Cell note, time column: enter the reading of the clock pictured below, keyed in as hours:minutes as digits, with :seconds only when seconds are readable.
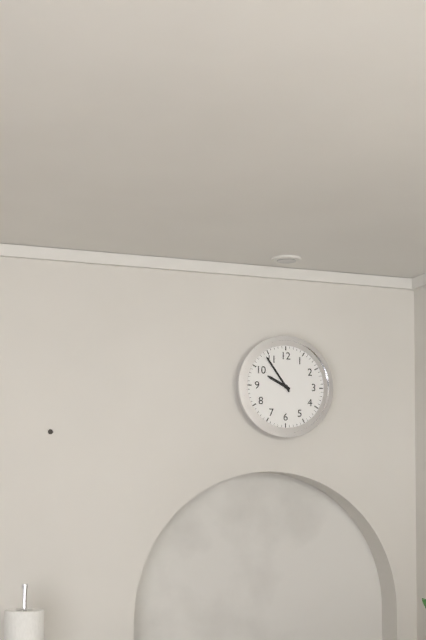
9:54
